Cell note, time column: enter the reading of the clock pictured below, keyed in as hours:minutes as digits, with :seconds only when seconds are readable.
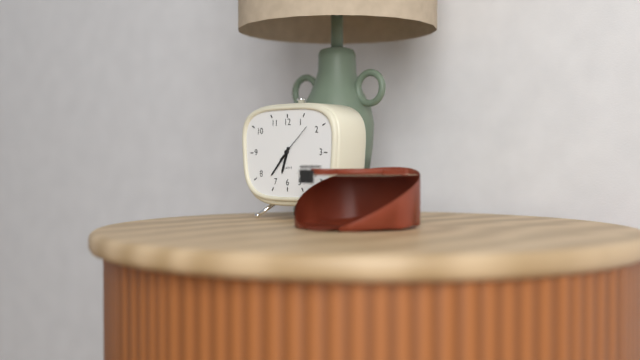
6:37
